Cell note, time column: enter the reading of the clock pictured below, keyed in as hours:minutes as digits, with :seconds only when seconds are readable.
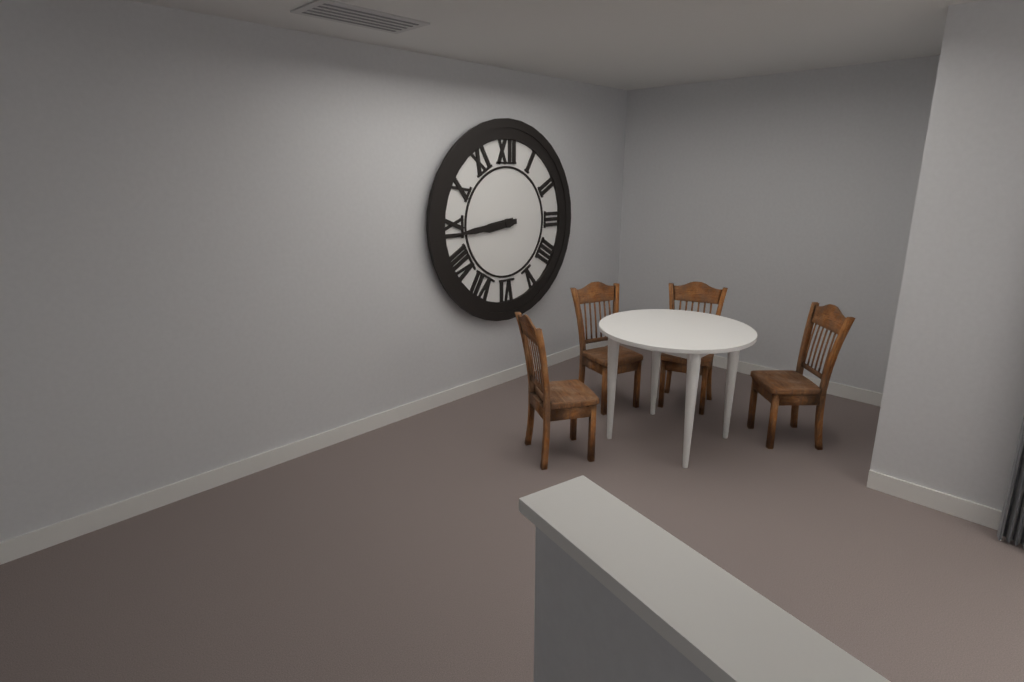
8:44
